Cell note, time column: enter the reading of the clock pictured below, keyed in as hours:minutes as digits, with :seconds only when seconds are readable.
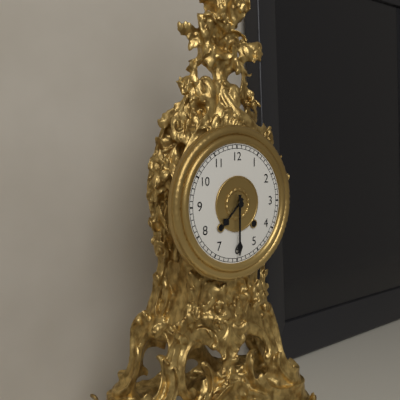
7:30
